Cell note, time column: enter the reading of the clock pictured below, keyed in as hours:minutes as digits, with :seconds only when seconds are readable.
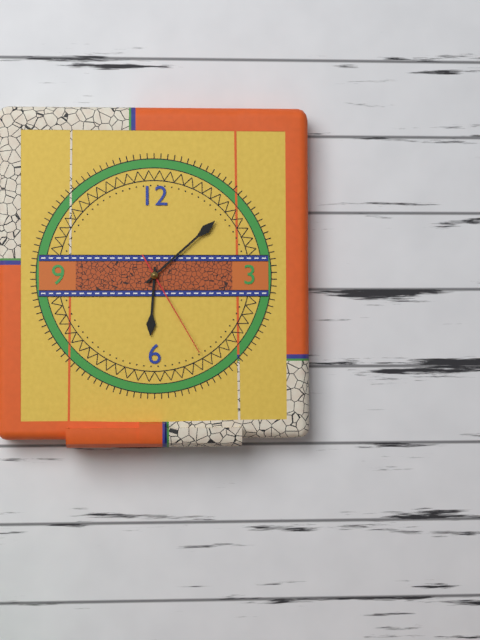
6:08:25
